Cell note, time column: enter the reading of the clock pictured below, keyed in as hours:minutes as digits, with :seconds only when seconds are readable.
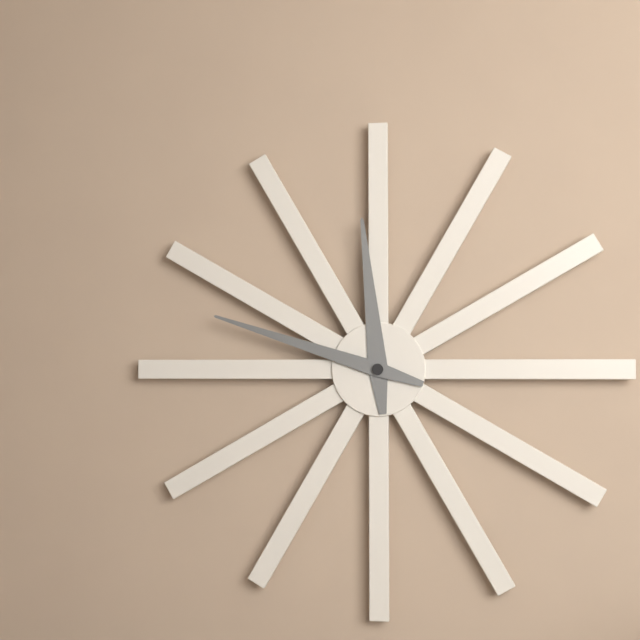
11:48
